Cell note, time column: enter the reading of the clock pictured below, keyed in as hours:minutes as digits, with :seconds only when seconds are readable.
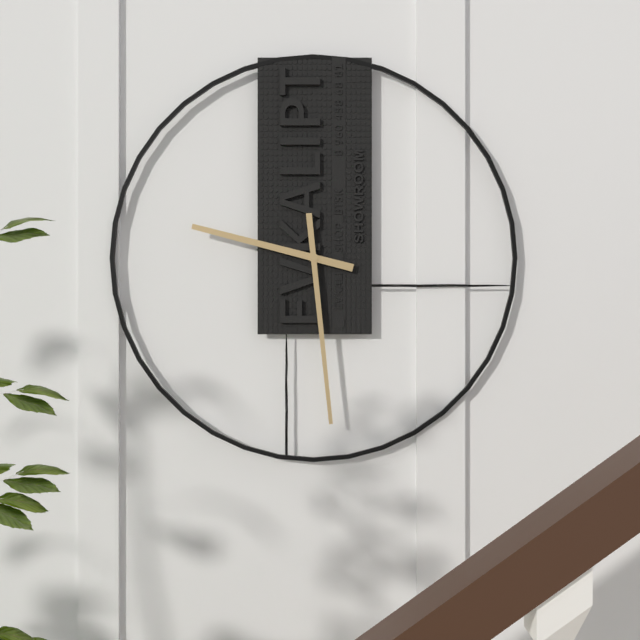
9:29
